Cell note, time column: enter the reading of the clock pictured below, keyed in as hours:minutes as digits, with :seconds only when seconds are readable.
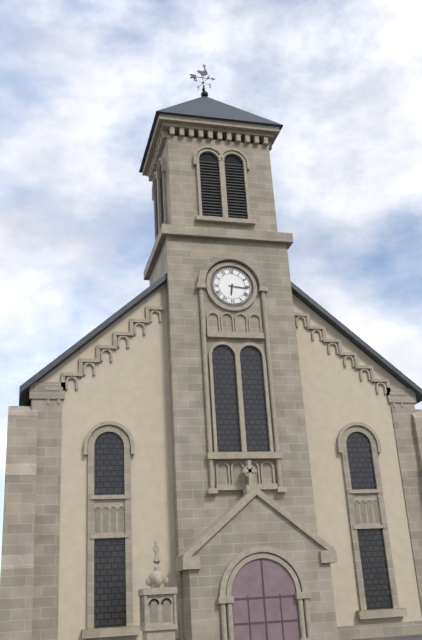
6:16
